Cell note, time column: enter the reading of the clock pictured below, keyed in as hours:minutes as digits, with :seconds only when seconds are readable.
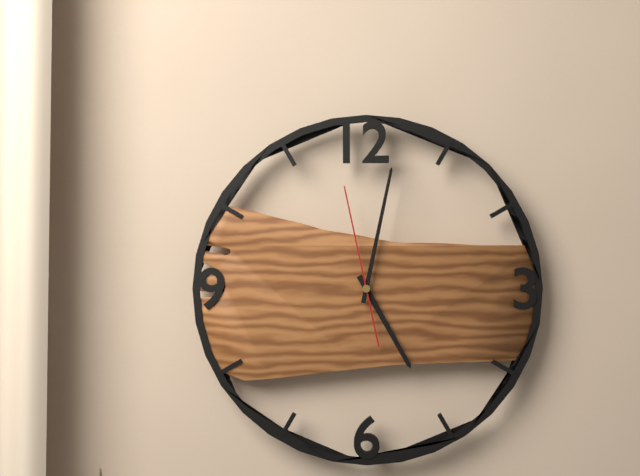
5:02:58
